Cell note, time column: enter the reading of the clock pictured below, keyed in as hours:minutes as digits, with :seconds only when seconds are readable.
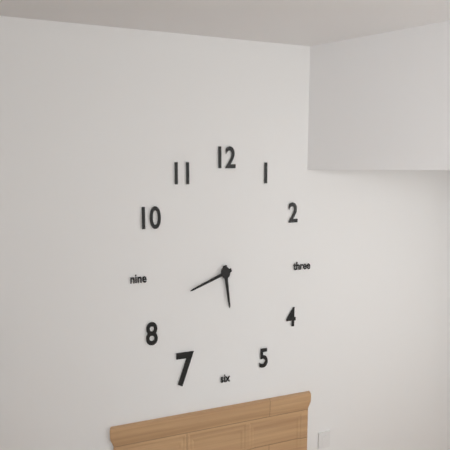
5:42
